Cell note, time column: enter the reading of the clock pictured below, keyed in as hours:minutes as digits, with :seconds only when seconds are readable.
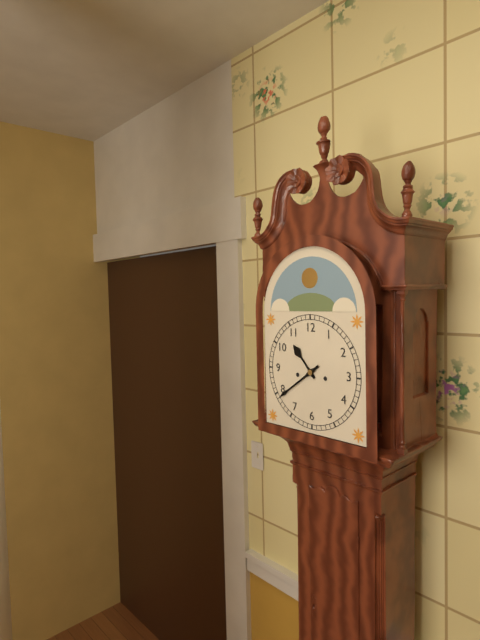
10:39
